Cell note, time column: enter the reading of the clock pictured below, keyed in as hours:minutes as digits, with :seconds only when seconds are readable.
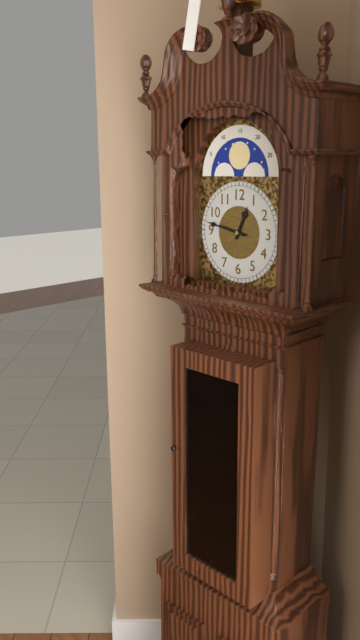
12:47
